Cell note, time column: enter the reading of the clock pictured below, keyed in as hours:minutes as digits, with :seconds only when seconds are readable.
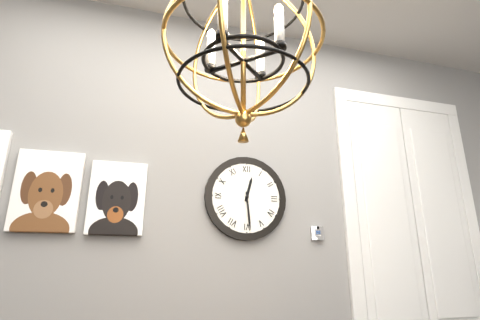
12:29
